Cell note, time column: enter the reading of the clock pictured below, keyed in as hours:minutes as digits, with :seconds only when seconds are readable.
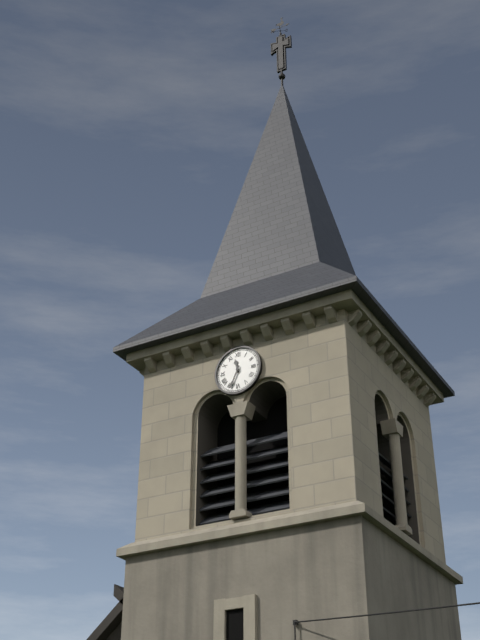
11:34
